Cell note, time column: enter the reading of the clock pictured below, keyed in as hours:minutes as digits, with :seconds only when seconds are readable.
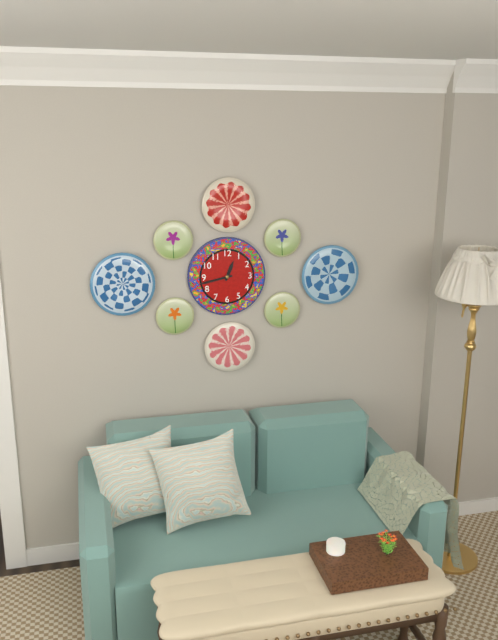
12:43
